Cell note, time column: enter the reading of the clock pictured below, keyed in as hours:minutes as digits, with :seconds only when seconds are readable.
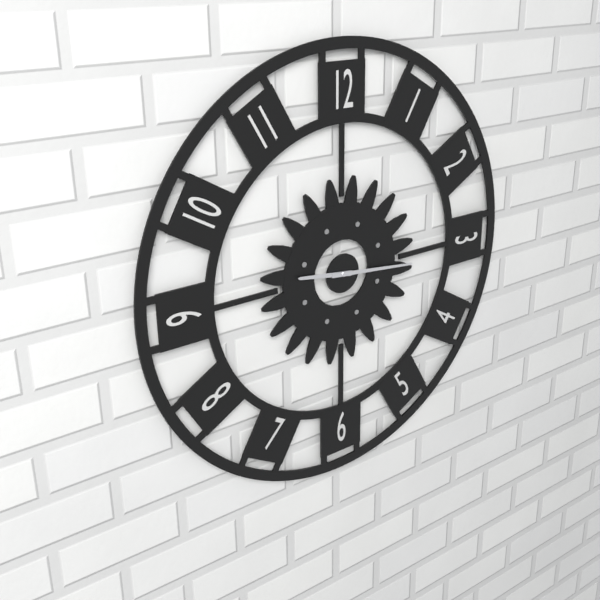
9:16
